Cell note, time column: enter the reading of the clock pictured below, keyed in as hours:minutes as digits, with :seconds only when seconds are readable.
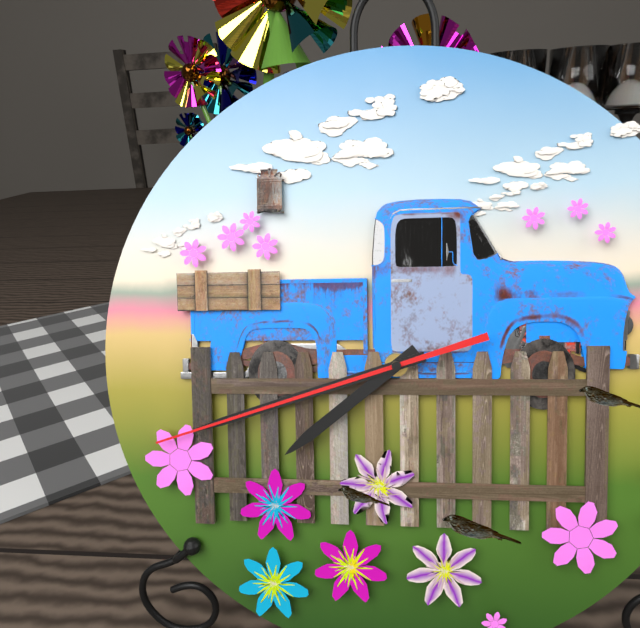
7:42:42
